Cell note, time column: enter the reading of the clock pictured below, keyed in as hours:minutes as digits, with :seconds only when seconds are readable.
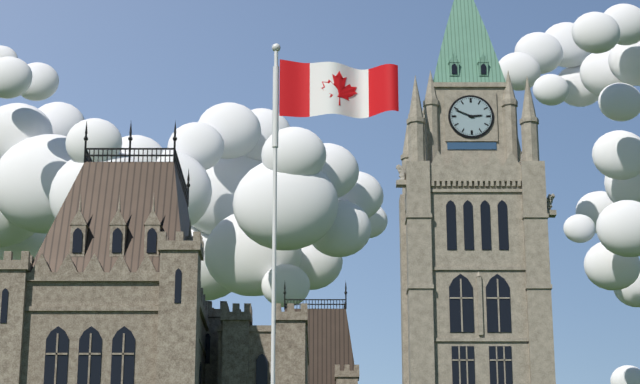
2:49
